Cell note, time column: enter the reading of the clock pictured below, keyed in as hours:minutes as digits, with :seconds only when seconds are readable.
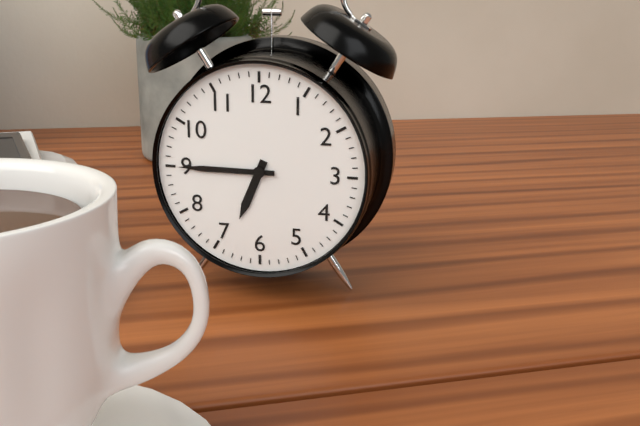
6:45
